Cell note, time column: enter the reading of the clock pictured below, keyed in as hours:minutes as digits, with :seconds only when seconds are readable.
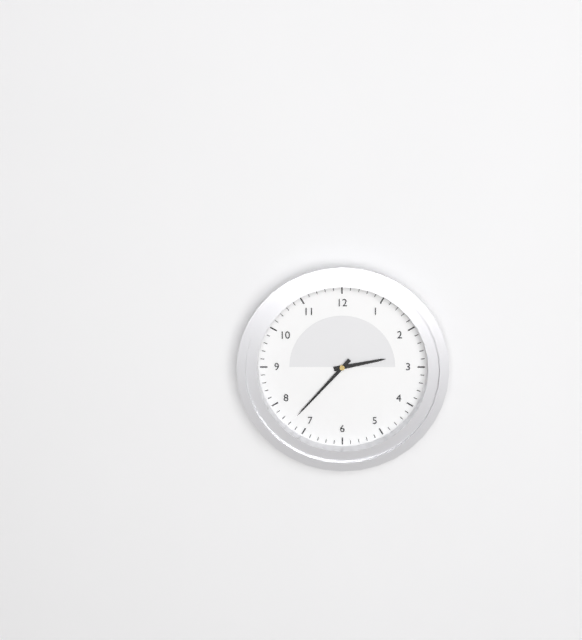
2:37
